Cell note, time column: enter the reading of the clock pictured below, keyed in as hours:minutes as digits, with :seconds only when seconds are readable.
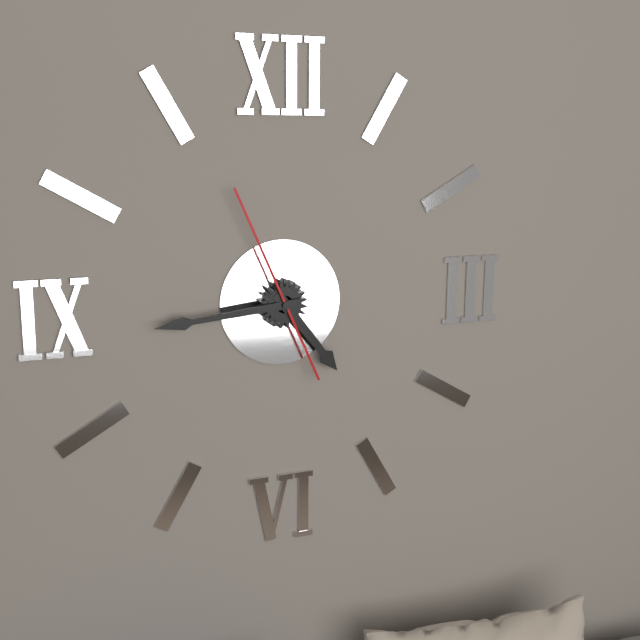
4:44:56
